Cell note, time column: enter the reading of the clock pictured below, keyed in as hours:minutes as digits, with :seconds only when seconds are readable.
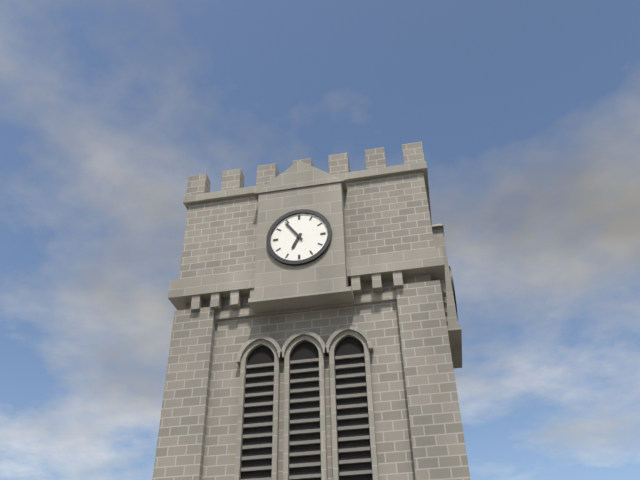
6:54
